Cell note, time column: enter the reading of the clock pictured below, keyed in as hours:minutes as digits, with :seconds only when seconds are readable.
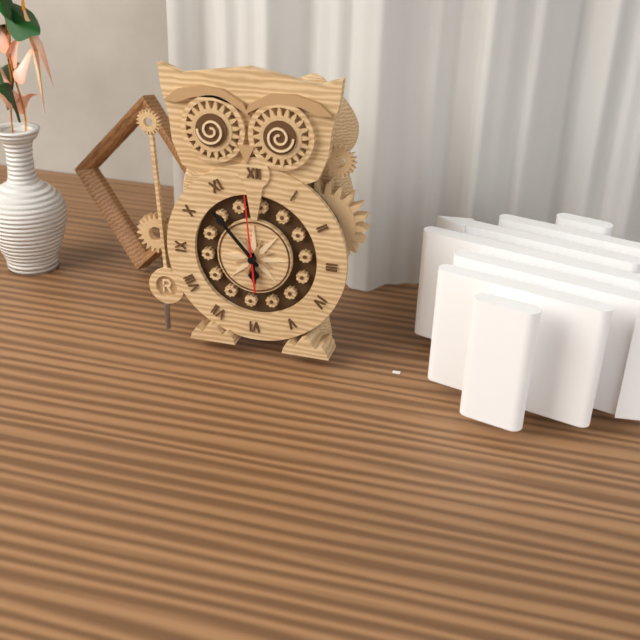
5:53:59
